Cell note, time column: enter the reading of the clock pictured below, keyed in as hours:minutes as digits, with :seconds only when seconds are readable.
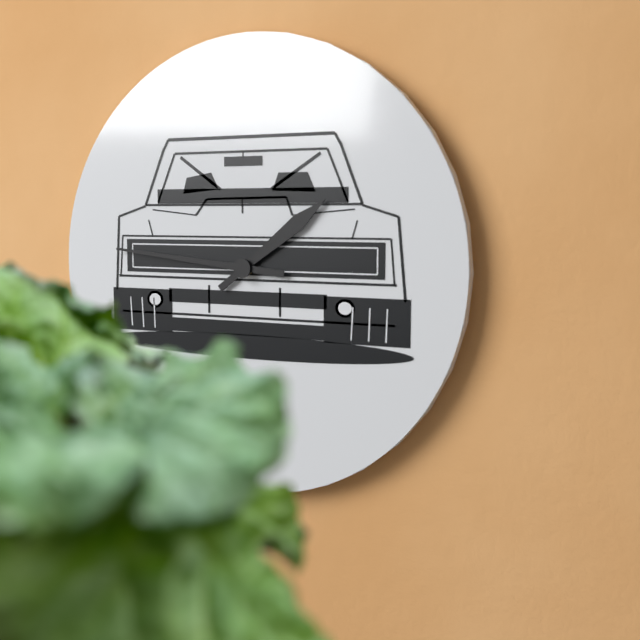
1:46
